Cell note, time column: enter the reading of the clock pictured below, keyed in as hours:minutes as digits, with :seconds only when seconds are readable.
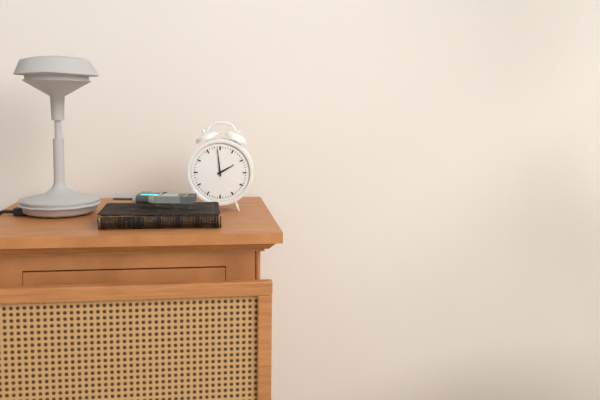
1:59
